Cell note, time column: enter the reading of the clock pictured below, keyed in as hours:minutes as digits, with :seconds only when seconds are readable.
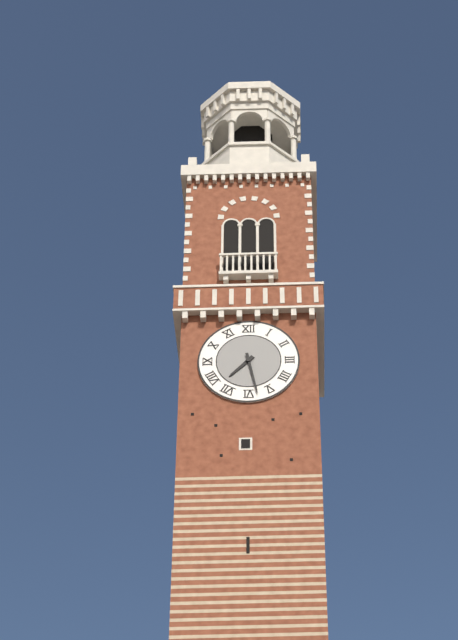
7:28
